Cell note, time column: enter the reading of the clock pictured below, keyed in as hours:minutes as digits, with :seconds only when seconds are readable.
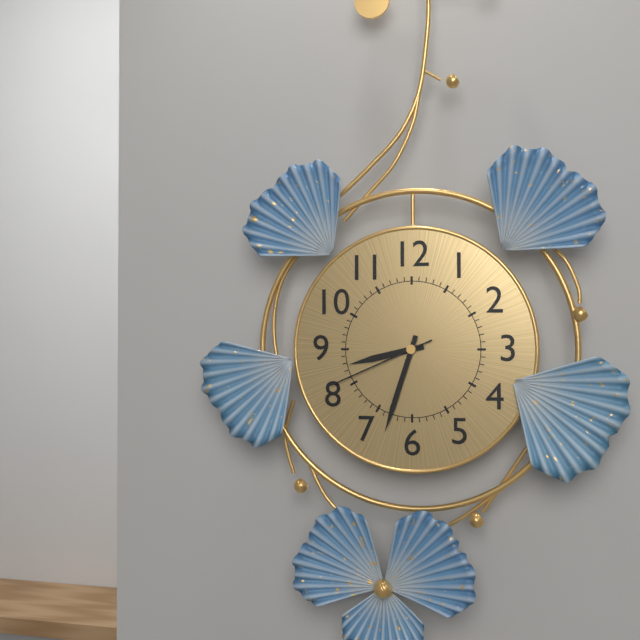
8:33:41
